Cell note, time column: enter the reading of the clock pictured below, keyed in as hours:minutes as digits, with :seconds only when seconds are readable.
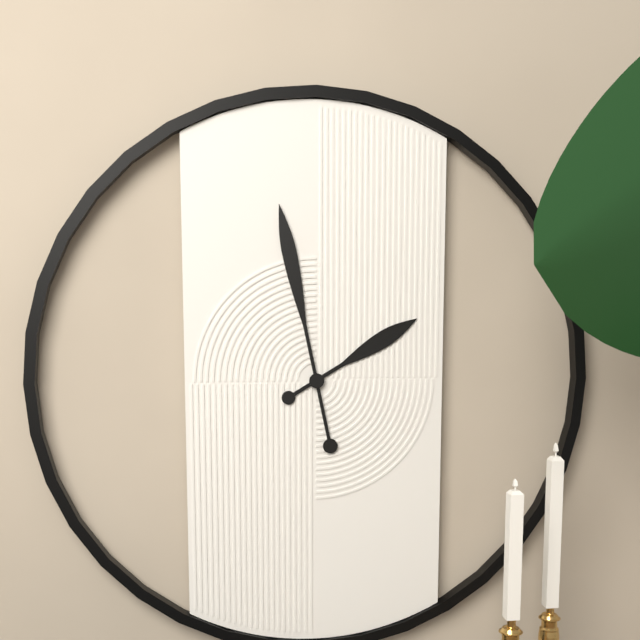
1:58
